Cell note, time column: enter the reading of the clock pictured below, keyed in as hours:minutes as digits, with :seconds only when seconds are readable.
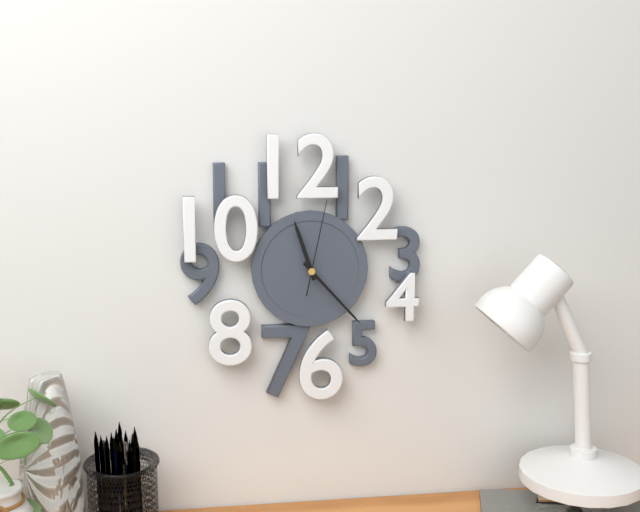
11:23:02
